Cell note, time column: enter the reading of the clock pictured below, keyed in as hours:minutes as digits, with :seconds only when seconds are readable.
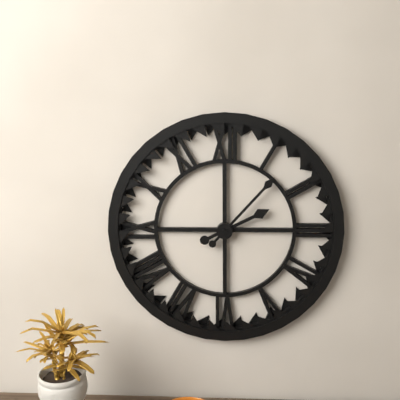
2:07
